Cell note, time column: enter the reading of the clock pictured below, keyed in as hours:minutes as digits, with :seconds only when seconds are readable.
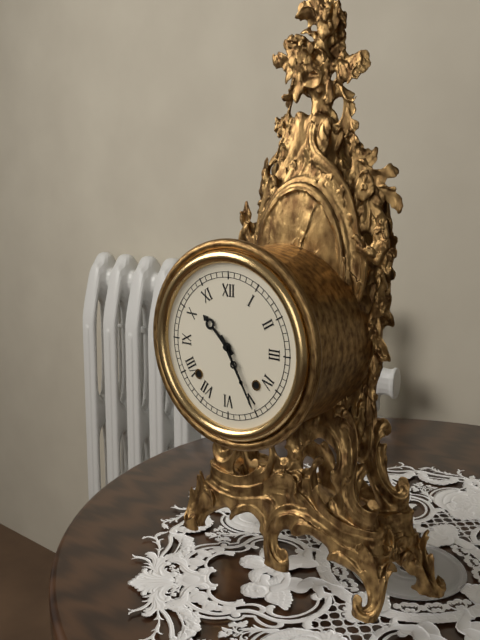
10:25
